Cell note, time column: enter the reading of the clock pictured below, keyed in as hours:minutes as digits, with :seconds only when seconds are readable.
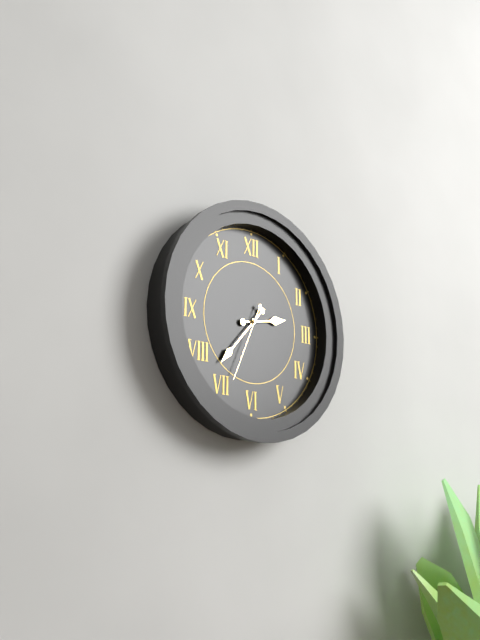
2:37:34
